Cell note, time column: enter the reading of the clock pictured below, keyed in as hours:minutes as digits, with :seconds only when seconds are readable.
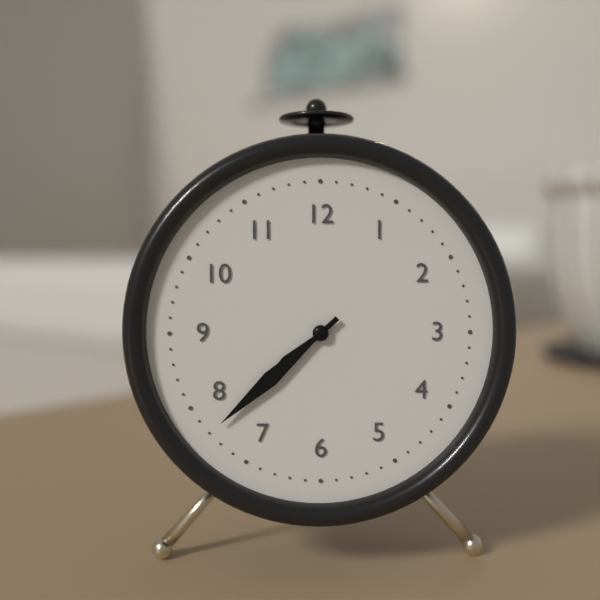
7:38
